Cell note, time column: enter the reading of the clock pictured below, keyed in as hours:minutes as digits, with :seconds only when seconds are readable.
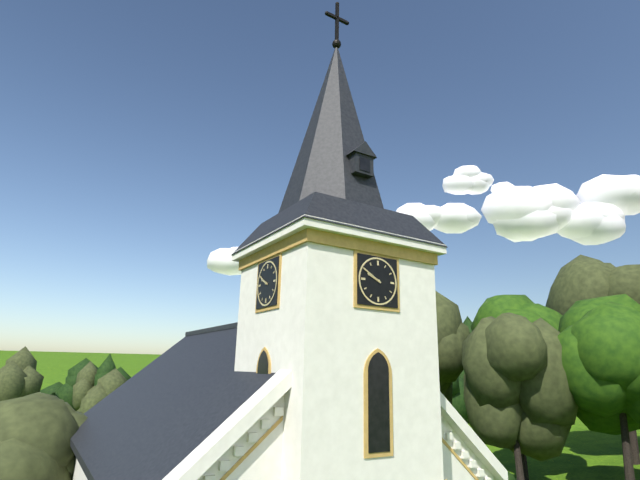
9:50
